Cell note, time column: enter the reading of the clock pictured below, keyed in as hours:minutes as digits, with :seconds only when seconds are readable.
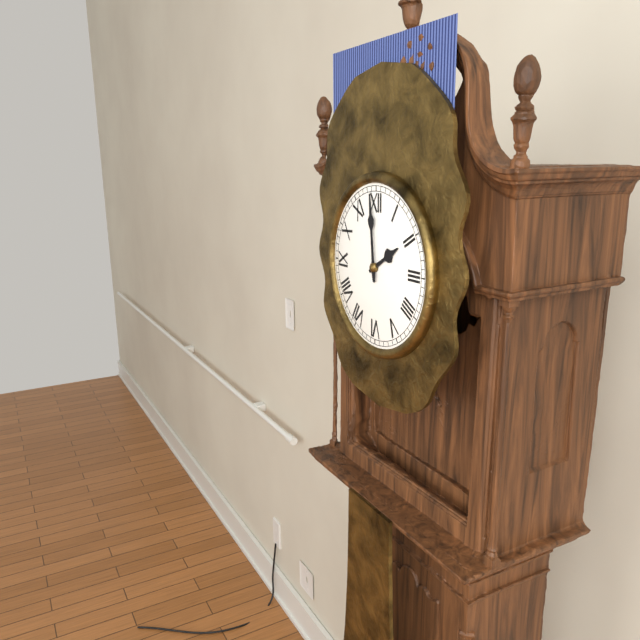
1:59
